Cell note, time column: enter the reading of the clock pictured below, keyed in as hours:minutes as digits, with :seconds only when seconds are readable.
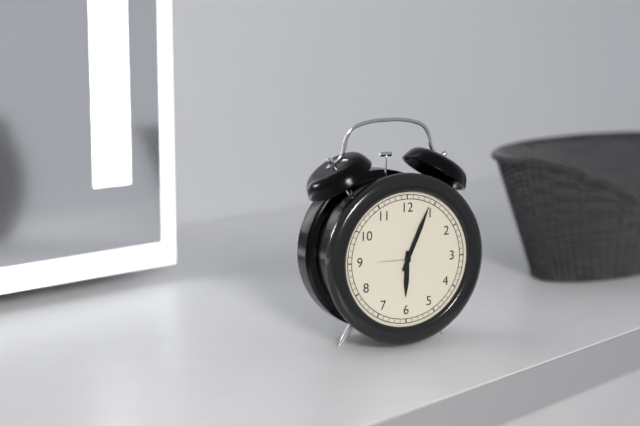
6:04
